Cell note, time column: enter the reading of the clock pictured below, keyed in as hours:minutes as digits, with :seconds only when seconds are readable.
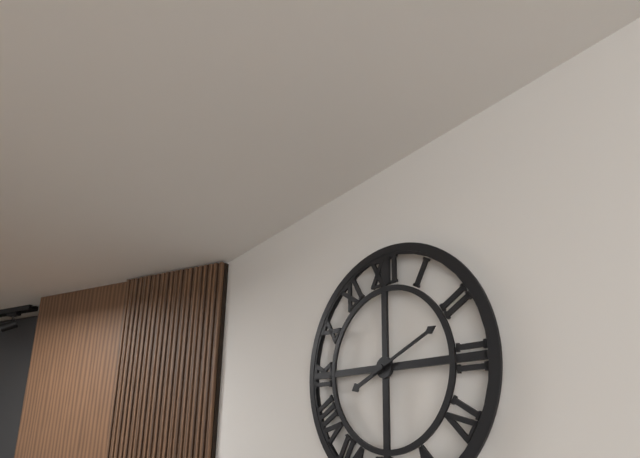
8:11
